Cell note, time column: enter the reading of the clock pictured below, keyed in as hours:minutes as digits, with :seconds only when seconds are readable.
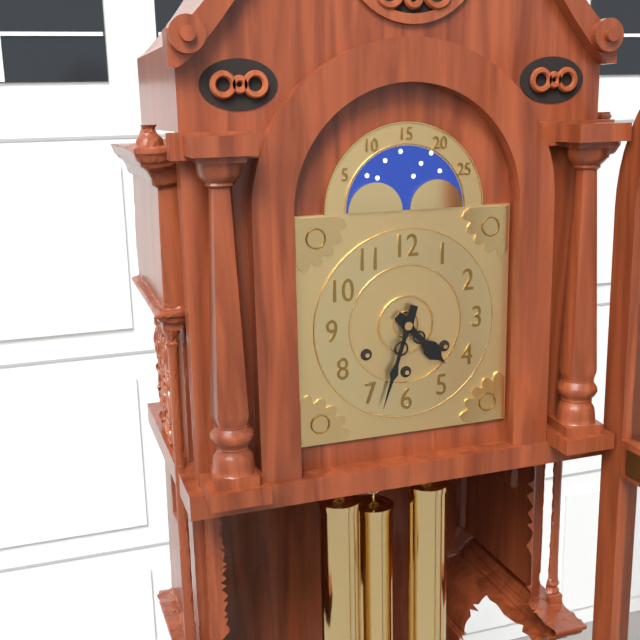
4:33
